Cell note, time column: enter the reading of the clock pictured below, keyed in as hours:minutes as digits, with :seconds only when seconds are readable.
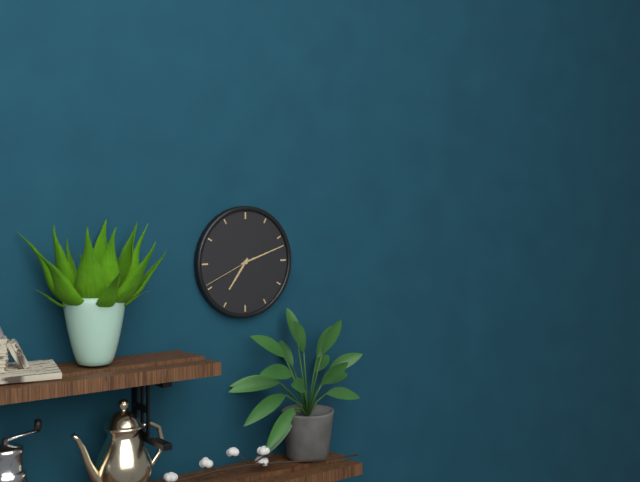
7:12:41
